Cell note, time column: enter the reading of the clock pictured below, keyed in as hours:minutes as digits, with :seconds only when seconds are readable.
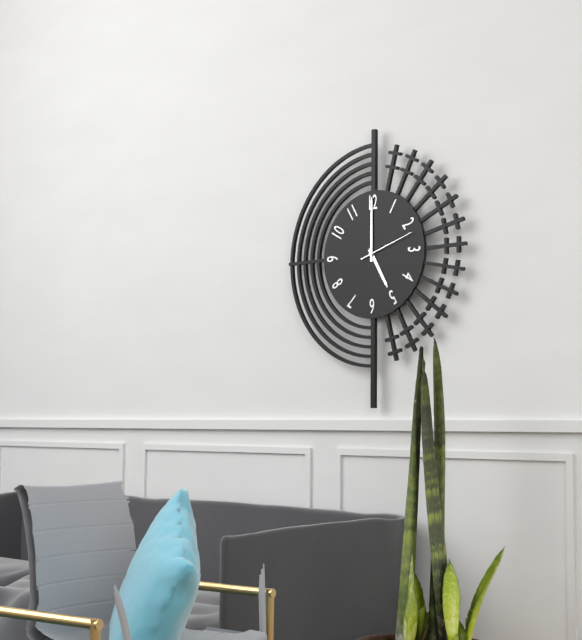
5:00:12
